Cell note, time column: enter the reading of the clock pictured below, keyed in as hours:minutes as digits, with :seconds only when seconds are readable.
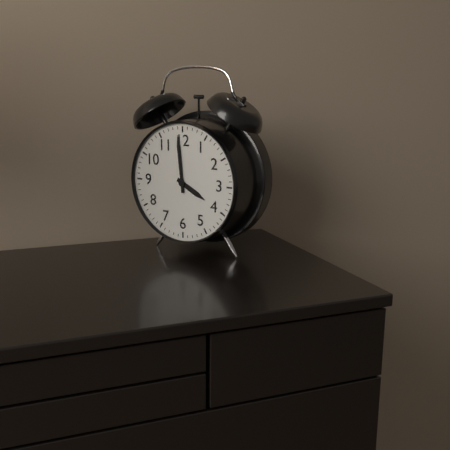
3:59
